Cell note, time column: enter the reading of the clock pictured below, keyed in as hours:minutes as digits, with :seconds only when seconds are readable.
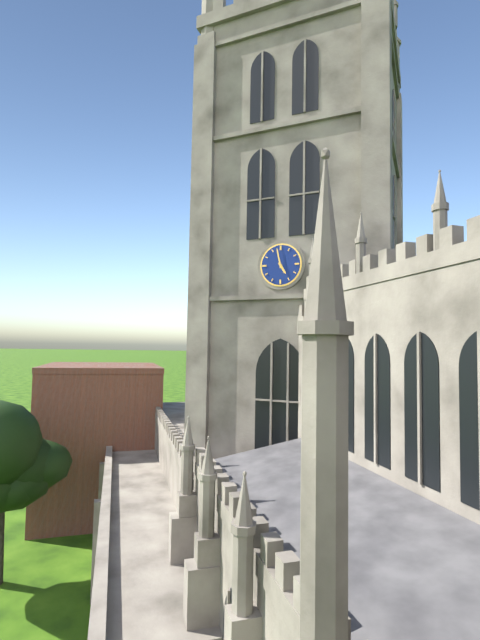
4:58
